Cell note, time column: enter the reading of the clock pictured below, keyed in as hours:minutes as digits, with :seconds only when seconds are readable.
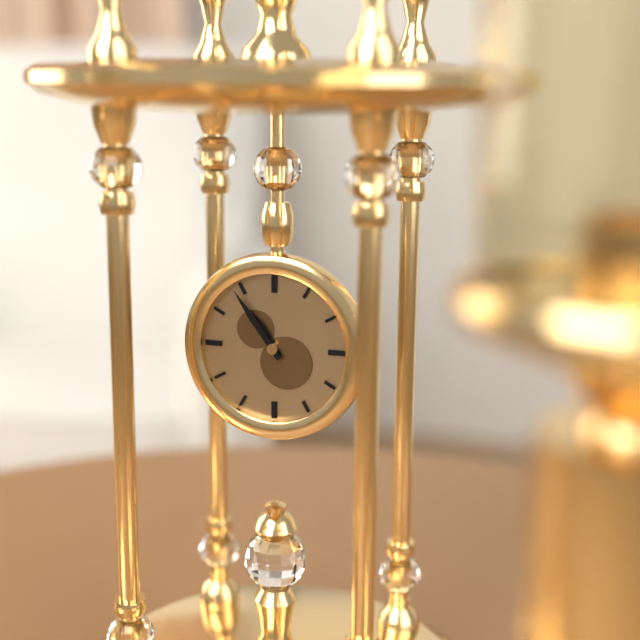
10:54
